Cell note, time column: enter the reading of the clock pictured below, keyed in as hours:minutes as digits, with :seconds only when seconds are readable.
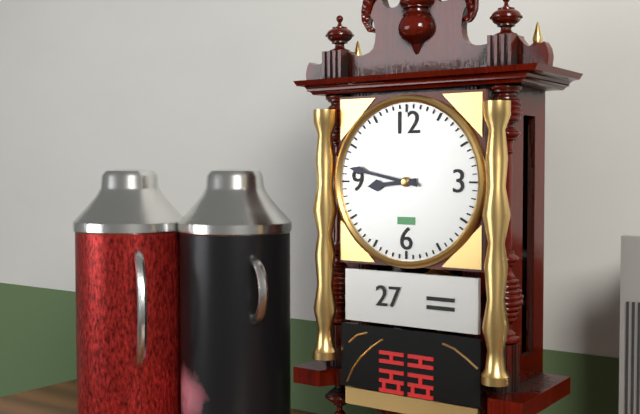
8:47
